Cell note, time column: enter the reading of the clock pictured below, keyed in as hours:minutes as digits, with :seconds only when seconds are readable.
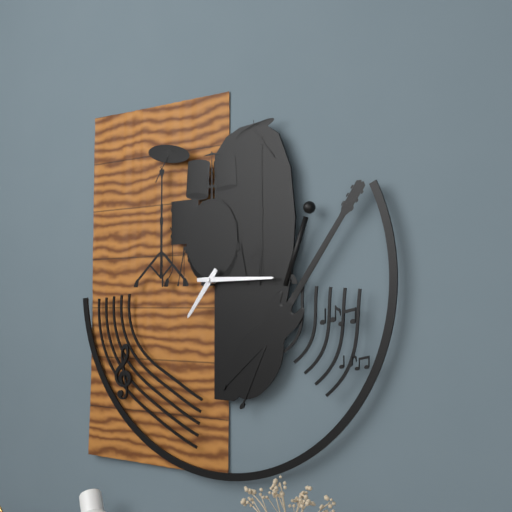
7:15
